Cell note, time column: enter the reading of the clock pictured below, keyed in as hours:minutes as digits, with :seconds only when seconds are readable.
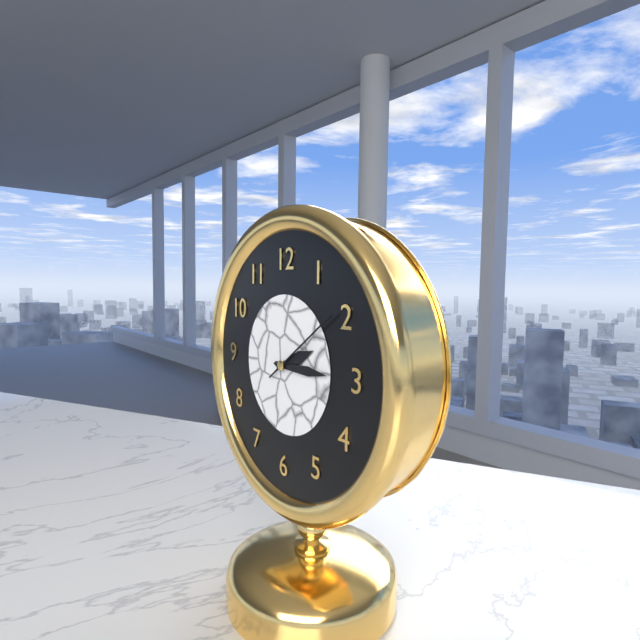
2:15:09
